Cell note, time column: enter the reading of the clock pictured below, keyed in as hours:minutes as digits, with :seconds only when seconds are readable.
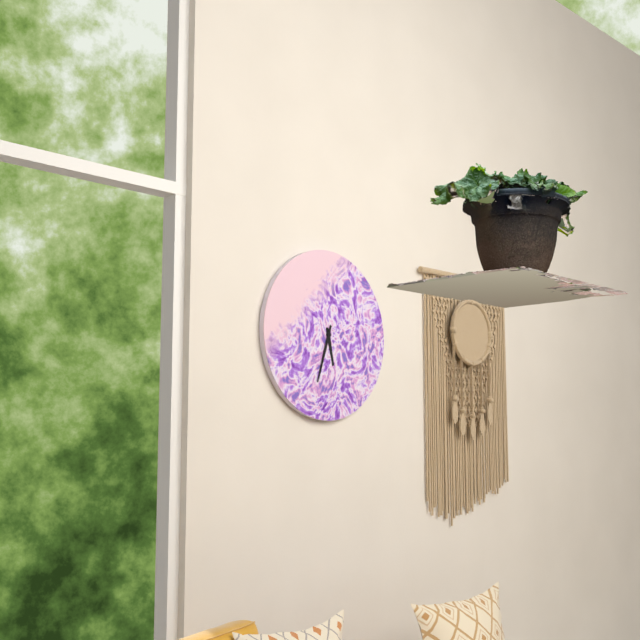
5:33
